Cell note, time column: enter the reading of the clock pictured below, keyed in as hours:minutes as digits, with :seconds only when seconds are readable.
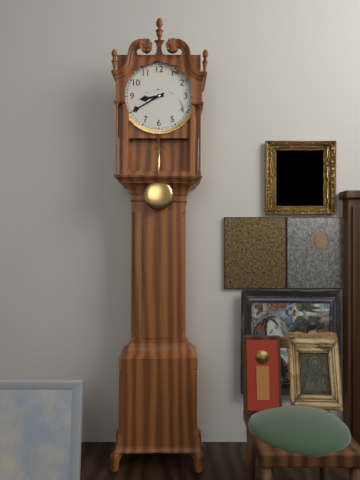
8:40
